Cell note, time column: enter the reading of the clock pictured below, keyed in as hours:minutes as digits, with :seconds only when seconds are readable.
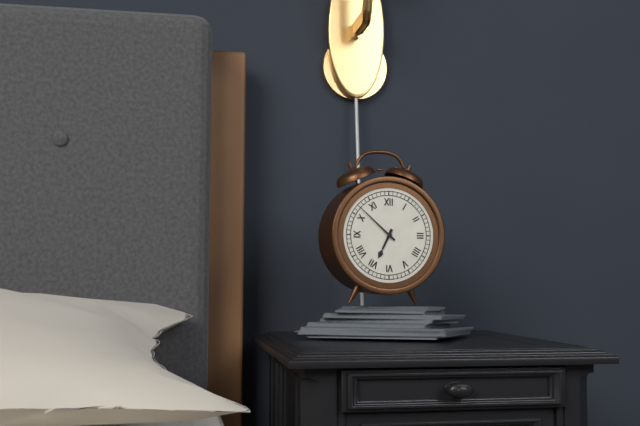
6:52
